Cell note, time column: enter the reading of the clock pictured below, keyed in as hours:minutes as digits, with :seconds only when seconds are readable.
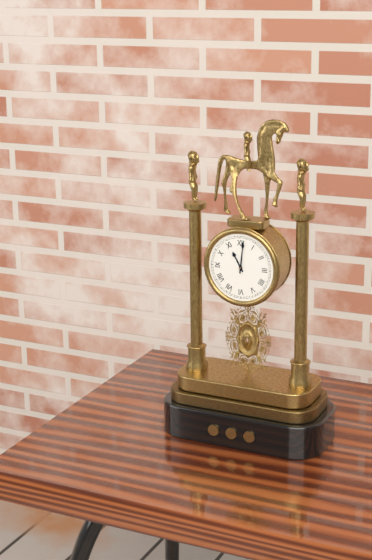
11:01
